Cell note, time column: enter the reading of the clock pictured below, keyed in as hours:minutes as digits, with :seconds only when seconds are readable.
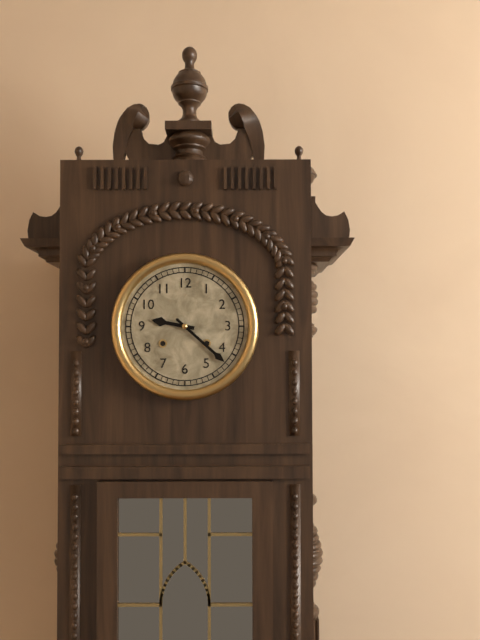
9:22
